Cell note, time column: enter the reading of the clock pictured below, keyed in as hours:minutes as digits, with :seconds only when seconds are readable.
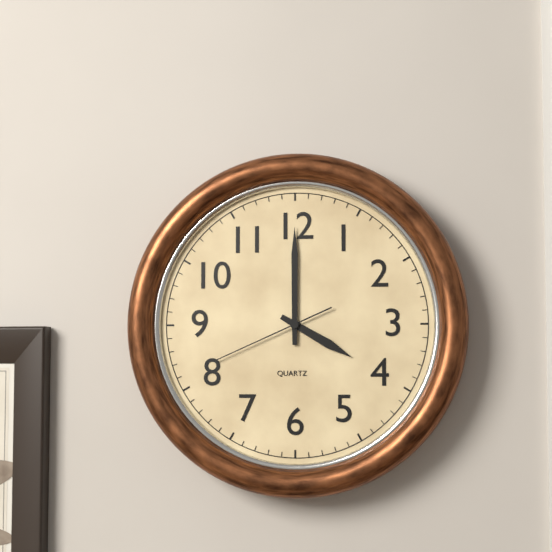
4:00:41
